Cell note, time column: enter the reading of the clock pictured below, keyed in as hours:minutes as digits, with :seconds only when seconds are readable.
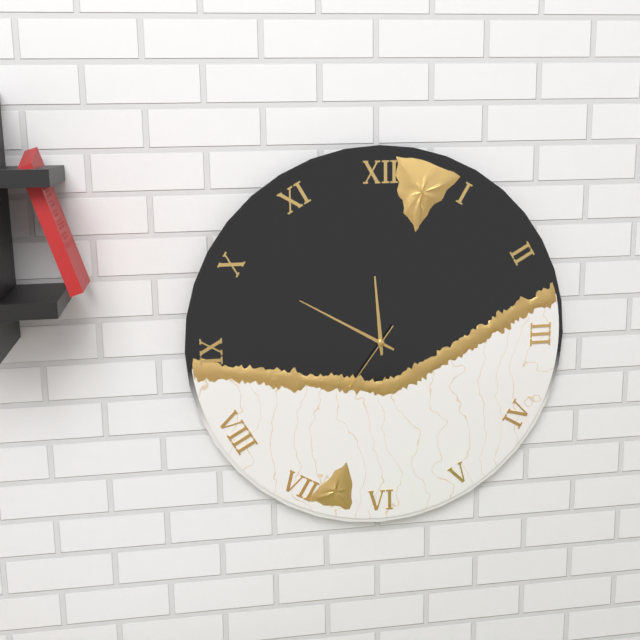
11:50:36
